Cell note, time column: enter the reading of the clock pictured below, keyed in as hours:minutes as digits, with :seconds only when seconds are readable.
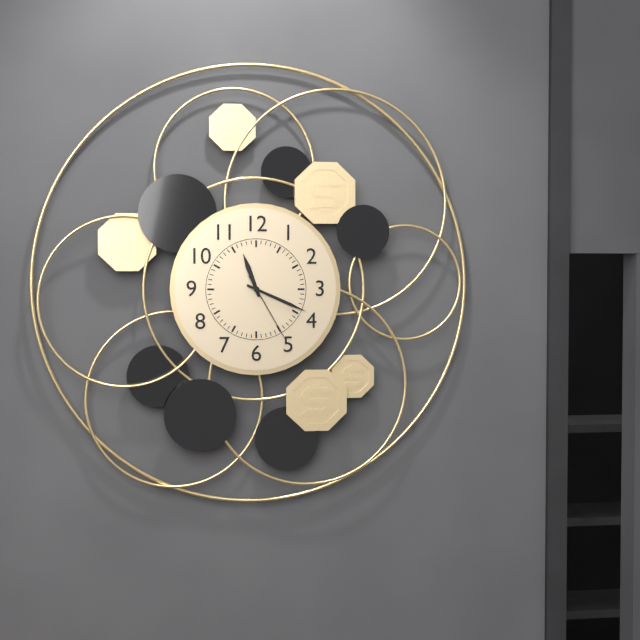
11:19:25
